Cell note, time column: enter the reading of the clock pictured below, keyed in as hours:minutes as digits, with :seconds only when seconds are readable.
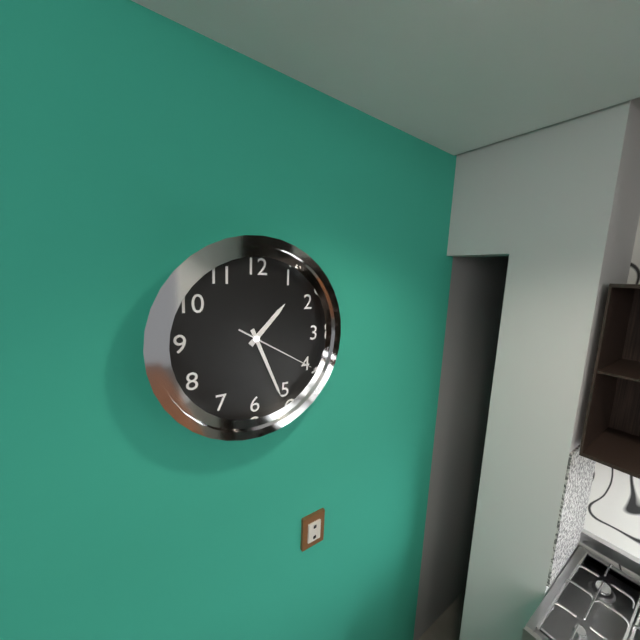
1:26:20
